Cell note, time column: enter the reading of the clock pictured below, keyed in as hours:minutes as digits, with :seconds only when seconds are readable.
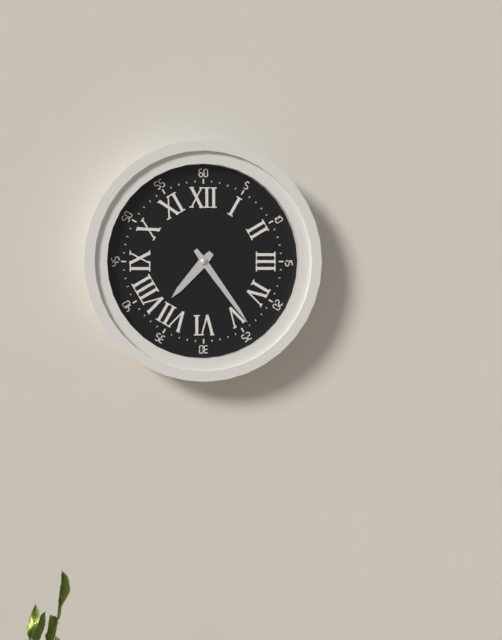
7:24
